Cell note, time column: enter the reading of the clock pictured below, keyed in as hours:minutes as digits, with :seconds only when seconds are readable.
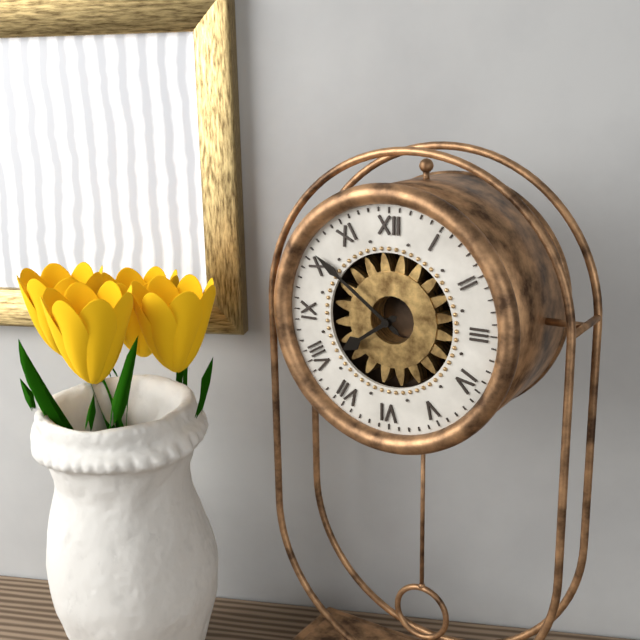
7:51
